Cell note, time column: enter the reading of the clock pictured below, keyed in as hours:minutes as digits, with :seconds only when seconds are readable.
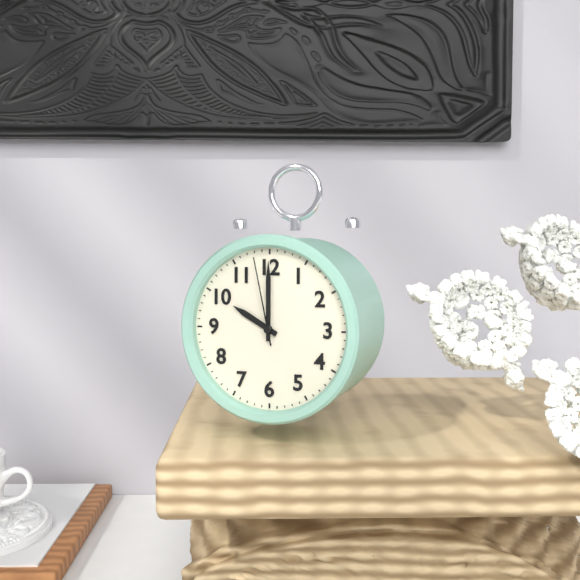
10:00:58
